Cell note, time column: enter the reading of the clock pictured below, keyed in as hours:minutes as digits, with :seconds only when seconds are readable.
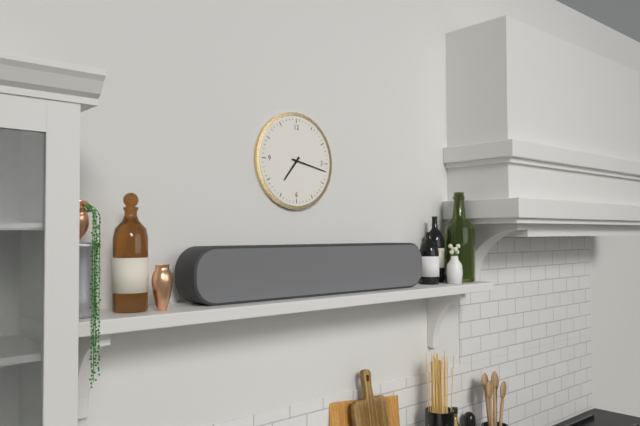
7:17
